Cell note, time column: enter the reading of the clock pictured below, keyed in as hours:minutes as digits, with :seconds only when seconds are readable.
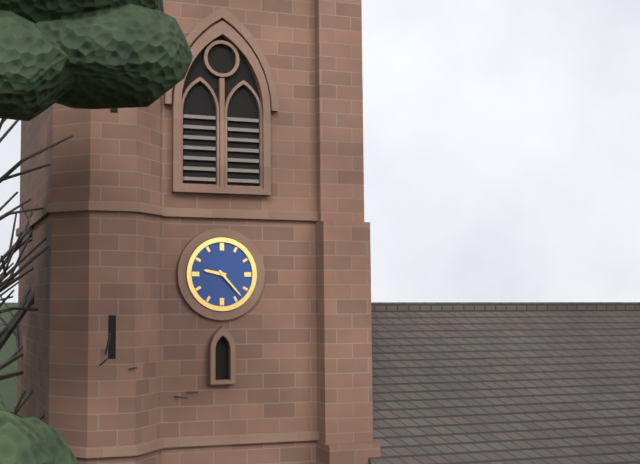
9:23
